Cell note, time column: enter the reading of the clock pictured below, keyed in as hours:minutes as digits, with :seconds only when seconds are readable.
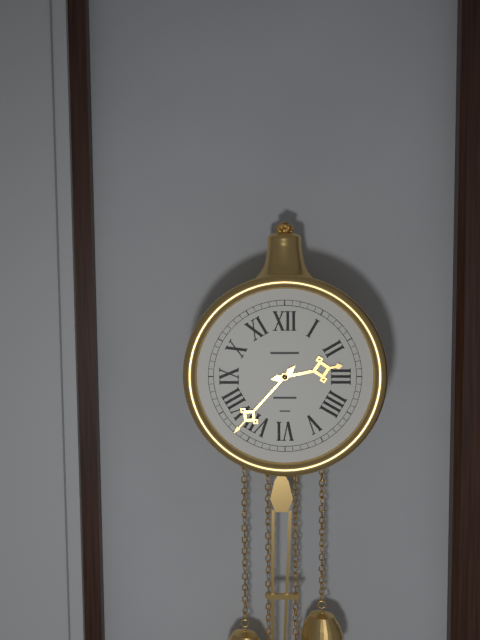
2:37
